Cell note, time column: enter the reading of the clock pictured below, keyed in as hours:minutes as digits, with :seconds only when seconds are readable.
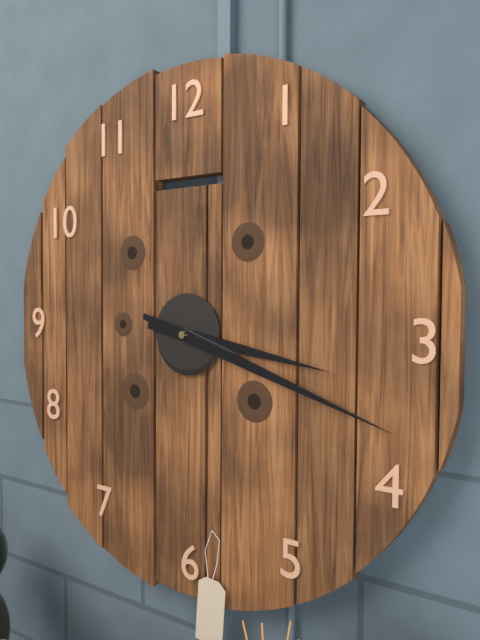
3:18
